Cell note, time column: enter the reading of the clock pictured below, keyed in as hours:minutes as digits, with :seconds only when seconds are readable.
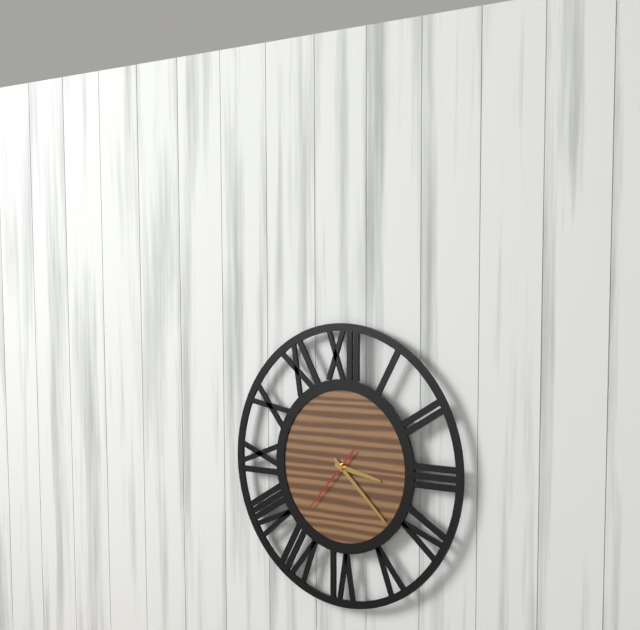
3:22:37
